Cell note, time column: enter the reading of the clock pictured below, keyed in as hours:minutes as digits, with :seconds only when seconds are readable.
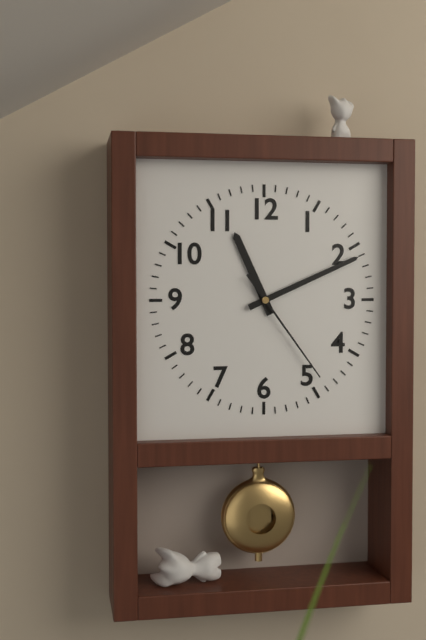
11:11:24
